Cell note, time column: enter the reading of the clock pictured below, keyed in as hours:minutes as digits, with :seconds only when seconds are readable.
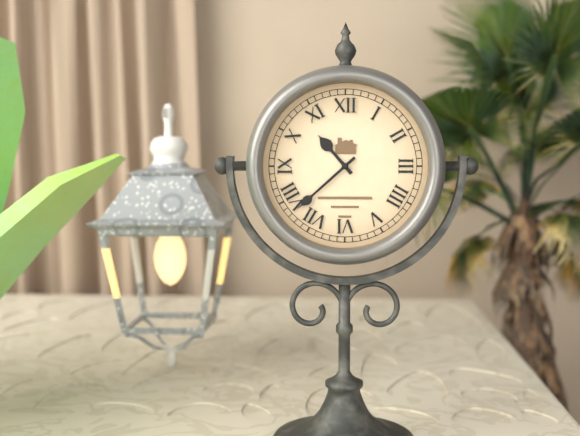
10:38
